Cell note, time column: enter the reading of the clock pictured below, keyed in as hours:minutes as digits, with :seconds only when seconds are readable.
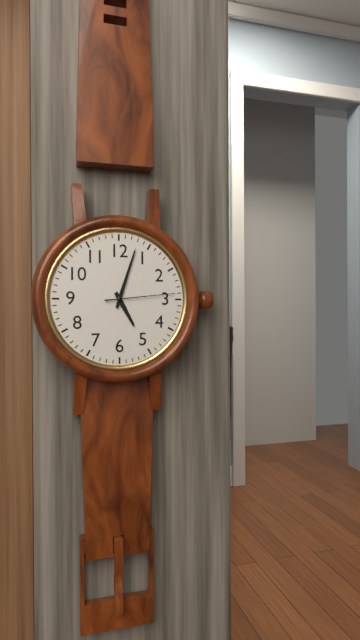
5:03:14
